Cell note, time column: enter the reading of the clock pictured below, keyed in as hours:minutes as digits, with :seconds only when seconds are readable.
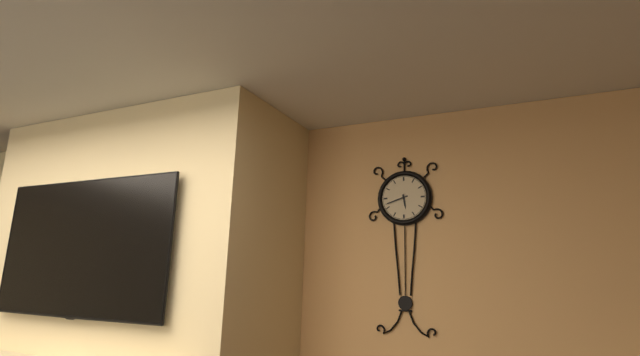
5:42
